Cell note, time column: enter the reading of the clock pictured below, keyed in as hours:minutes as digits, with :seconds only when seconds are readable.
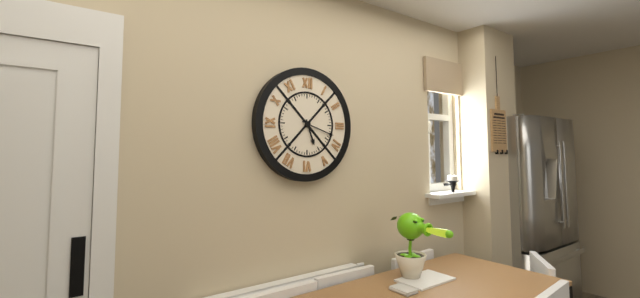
5:18
